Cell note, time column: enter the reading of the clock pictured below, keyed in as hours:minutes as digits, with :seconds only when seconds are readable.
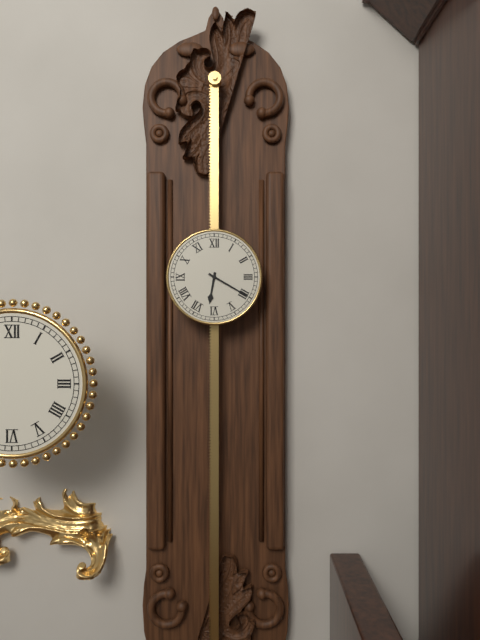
6:20
